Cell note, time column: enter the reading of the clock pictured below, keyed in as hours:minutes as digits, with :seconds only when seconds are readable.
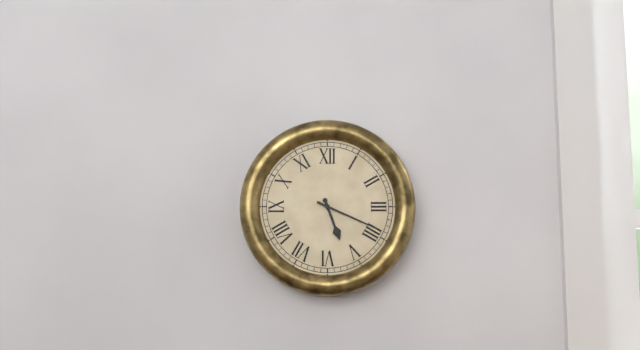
5:19
